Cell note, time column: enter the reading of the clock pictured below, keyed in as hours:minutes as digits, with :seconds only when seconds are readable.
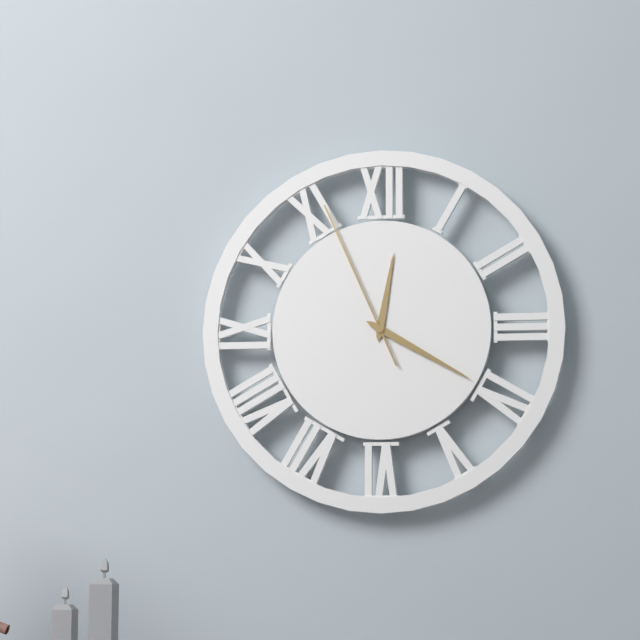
12:20:56
